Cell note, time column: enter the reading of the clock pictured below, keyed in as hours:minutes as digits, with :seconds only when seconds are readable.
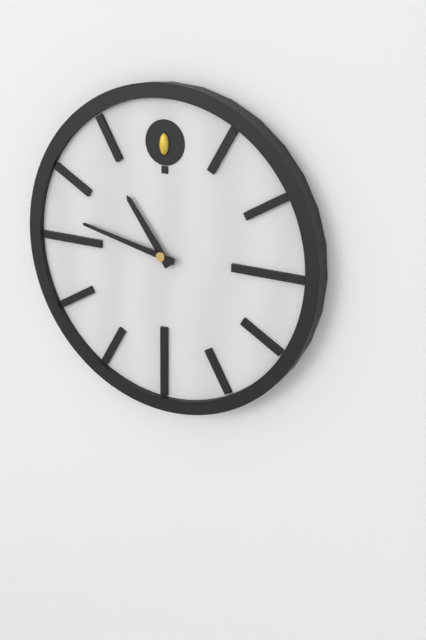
10:47
